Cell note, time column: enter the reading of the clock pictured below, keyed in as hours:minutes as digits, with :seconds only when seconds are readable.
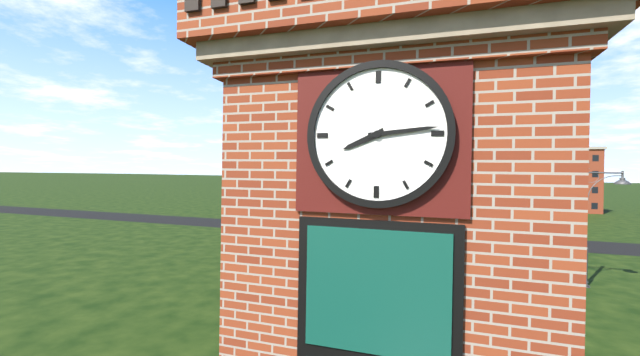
8:14
